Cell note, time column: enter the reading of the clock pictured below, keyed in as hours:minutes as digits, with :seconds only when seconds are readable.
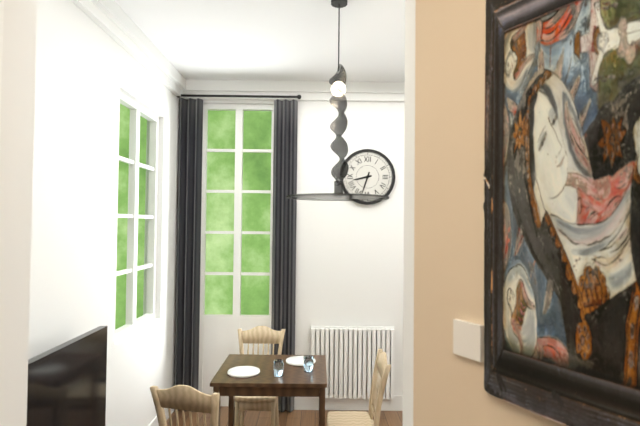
8:33
